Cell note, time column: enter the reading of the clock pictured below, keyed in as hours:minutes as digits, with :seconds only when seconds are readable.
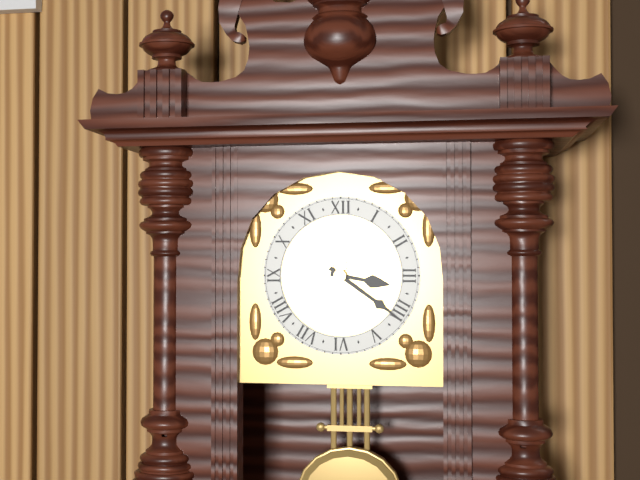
3:21
